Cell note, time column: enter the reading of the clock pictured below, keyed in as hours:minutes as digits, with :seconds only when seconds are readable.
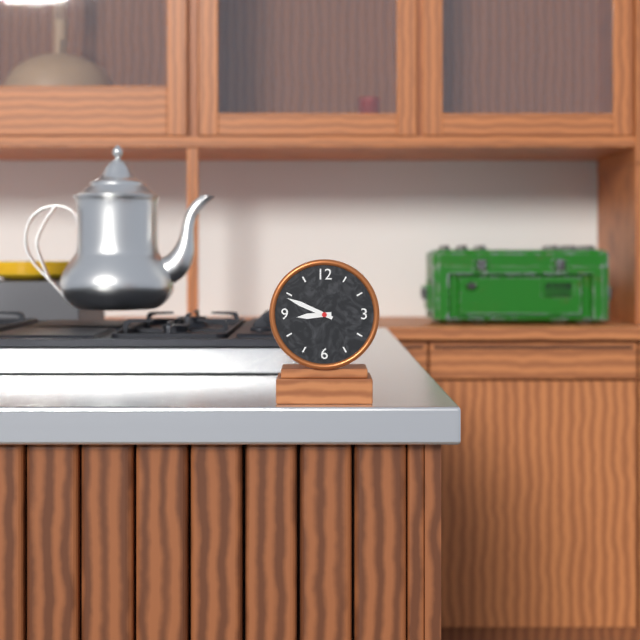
8:49
